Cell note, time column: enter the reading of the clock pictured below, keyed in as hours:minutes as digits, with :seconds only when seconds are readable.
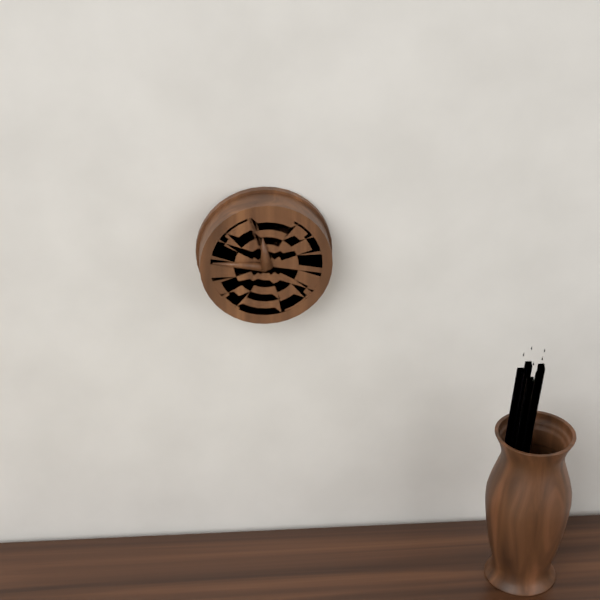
11:46
